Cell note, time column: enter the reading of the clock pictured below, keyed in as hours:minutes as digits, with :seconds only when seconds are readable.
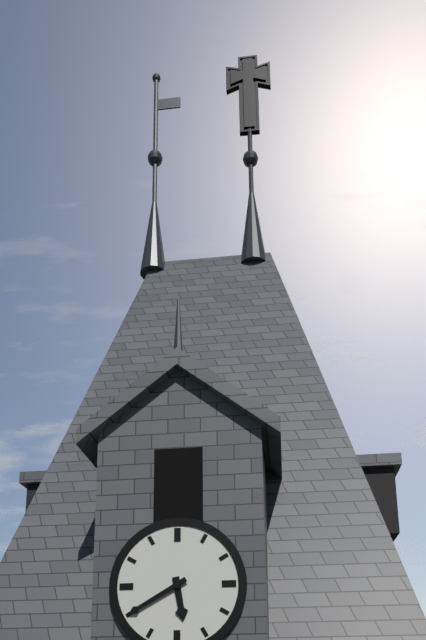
5:40
